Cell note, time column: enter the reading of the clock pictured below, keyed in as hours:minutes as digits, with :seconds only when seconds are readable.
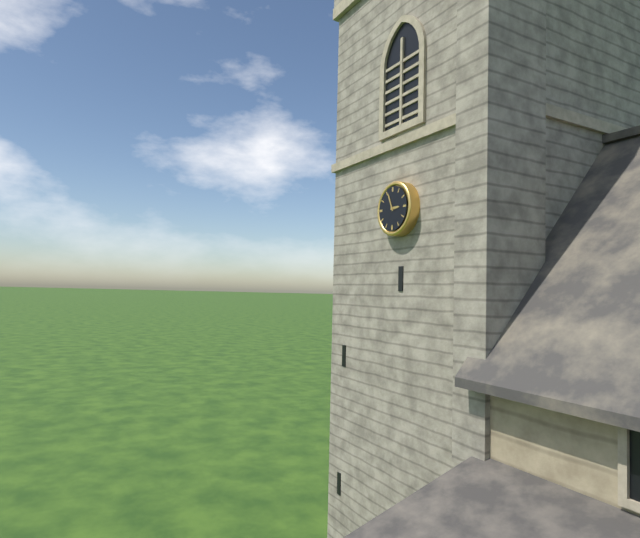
2:56
